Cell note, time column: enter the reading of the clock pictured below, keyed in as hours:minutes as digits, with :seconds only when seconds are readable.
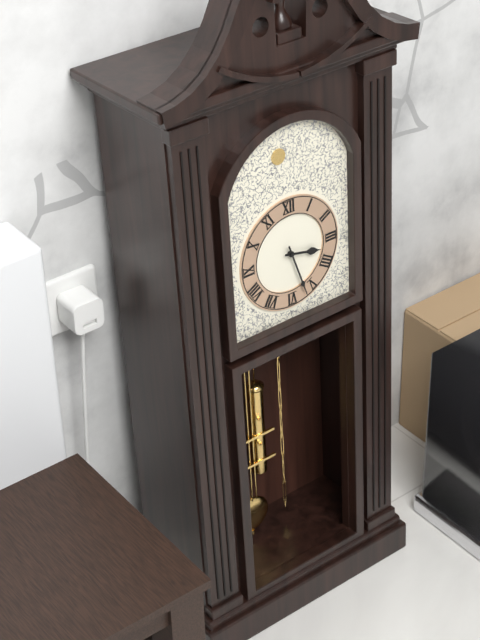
3:27
